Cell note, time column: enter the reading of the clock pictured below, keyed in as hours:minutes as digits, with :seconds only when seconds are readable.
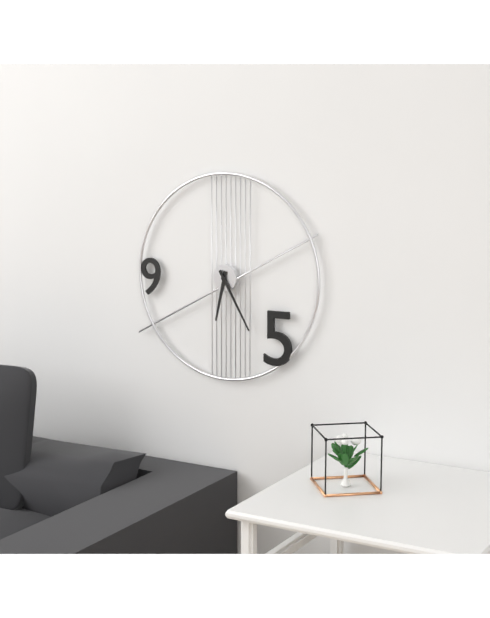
6:25
